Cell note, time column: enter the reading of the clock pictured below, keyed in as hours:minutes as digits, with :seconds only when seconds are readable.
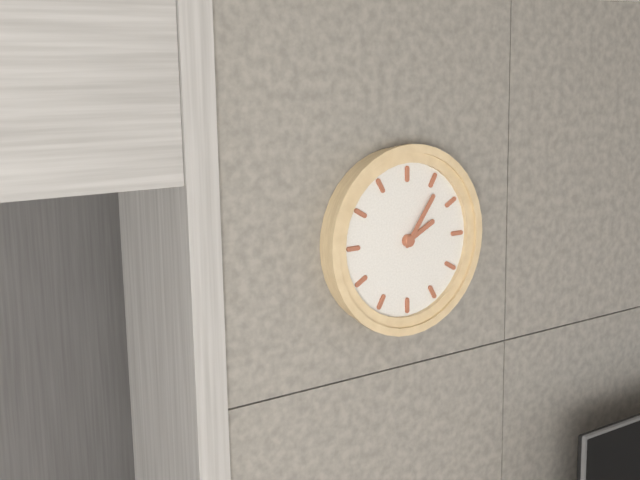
2:06
